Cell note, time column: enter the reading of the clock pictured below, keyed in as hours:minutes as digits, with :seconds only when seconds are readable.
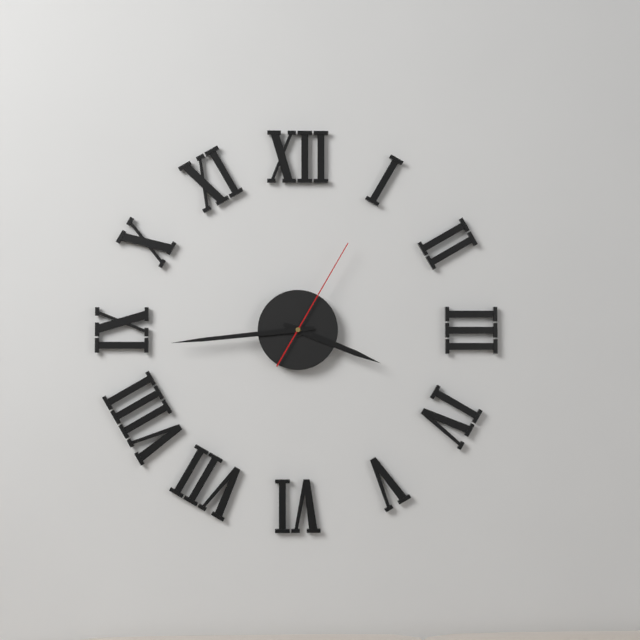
3:44:05
